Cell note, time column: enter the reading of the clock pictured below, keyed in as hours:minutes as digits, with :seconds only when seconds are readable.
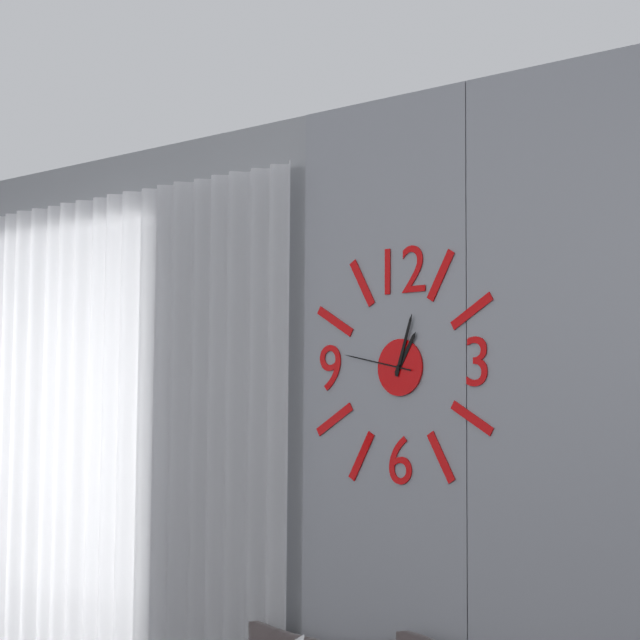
1:03:47
